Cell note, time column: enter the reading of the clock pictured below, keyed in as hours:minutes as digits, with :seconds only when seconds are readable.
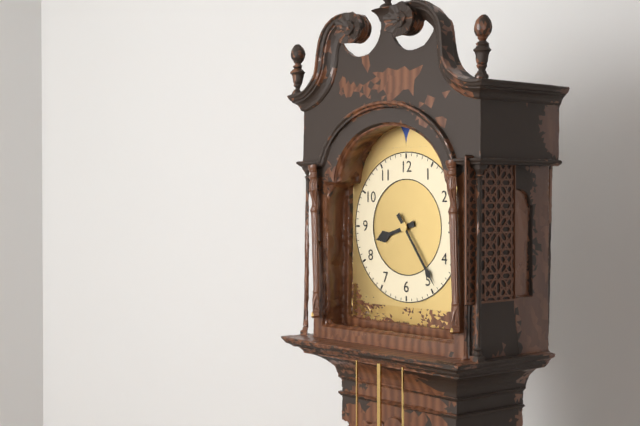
8:24
